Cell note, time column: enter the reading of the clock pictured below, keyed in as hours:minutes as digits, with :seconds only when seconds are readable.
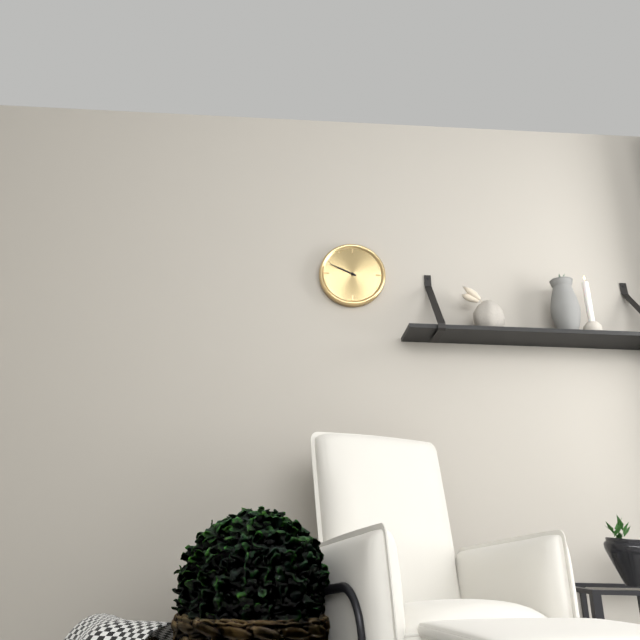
9:49
